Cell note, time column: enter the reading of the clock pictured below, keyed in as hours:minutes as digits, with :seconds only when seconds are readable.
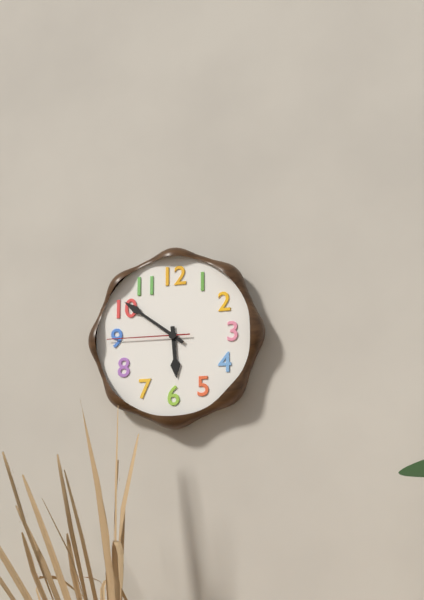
5:51:45
